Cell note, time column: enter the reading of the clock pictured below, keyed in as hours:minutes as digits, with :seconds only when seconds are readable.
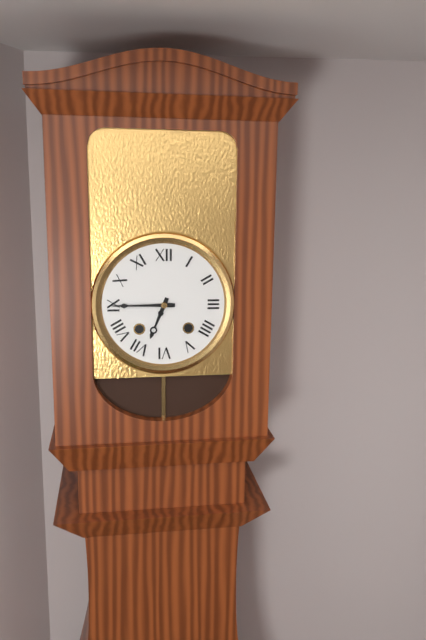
6:45
